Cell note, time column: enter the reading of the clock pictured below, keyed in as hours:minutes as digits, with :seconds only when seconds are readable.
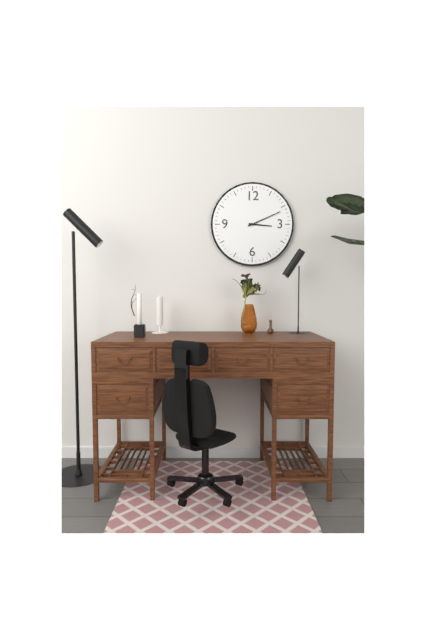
3:11
